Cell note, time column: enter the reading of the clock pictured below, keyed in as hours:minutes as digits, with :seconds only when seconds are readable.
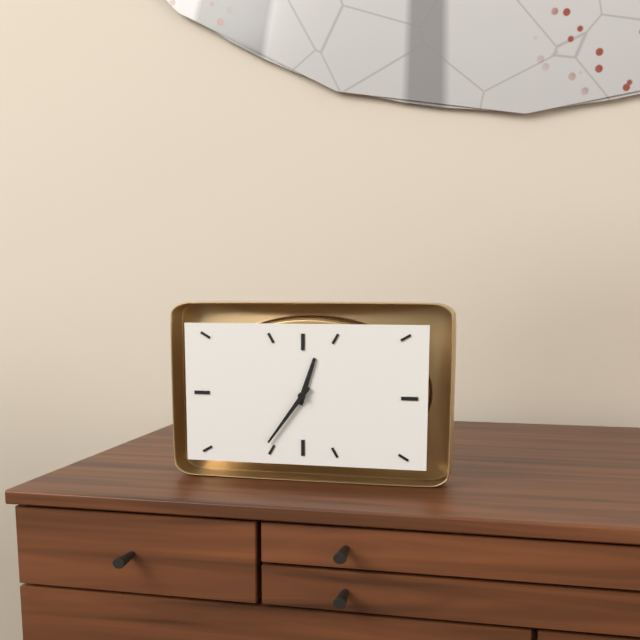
12:36
